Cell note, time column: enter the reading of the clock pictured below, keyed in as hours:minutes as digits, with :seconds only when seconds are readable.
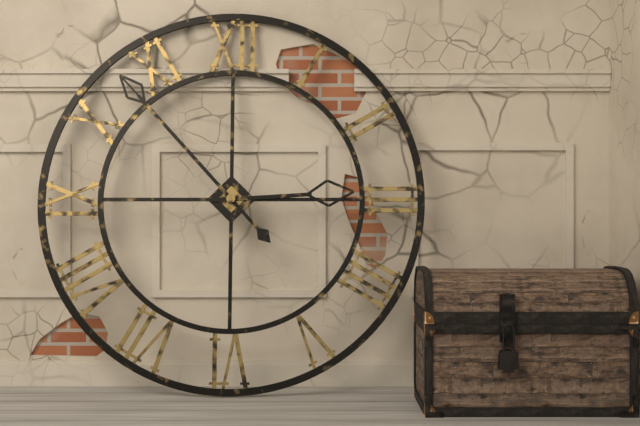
2:53
